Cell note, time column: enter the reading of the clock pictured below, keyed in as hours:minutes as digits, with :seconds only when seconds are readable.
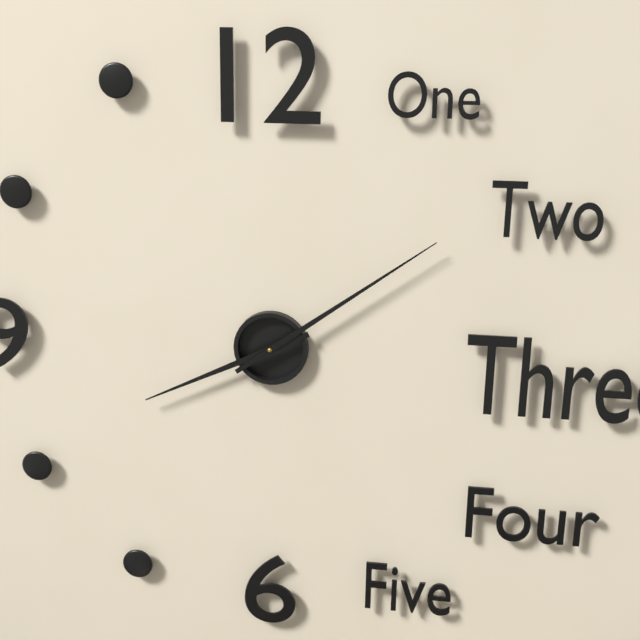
8:09
